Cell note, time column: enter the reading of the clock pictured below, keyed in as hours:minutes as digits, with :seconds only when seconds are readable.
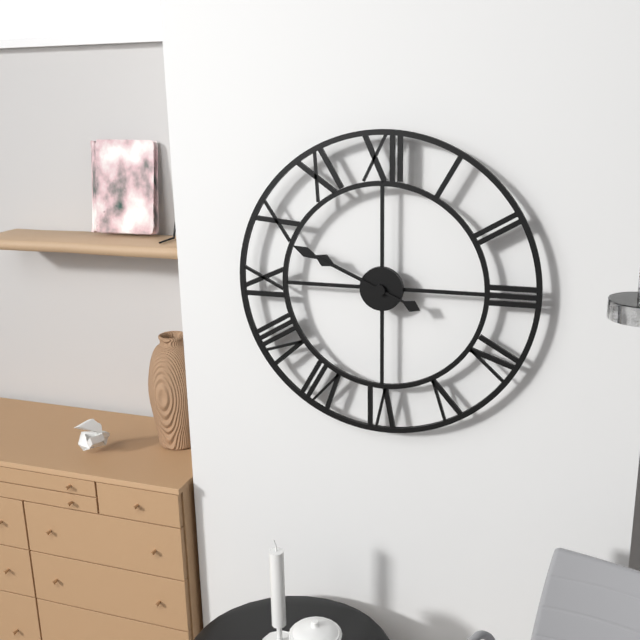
9:49
